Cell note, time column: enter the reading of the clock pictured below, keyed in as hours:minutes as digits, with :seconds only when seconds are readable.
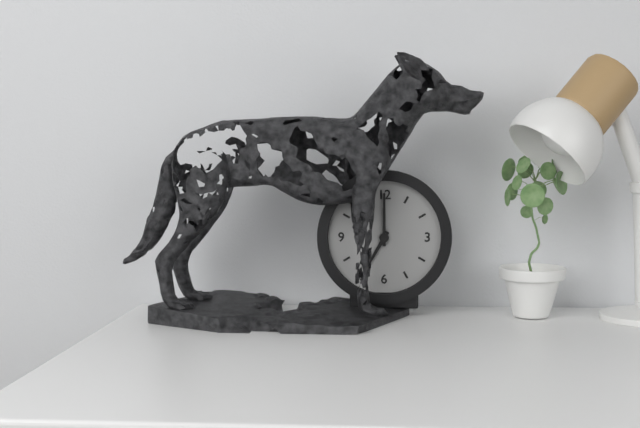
7:00
